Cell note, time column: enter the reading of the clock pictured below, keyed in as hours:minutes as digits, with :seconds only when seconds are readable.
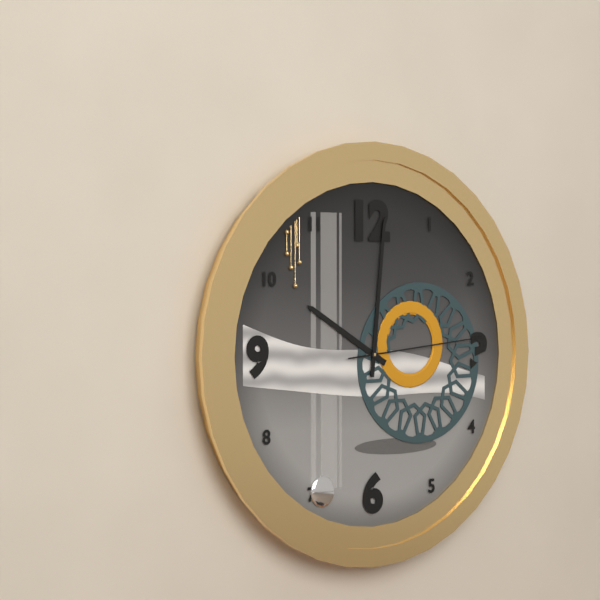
10:01:14
